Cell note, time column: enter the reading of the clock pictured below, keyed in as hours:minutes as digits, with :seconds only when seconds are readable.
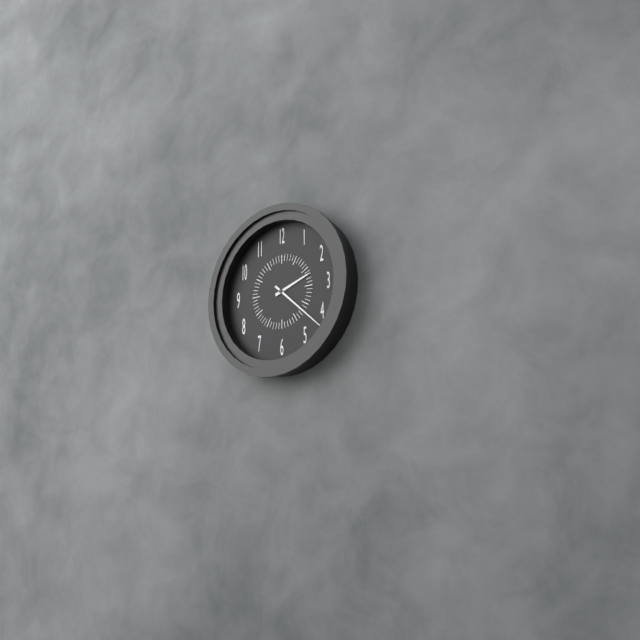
2:22
